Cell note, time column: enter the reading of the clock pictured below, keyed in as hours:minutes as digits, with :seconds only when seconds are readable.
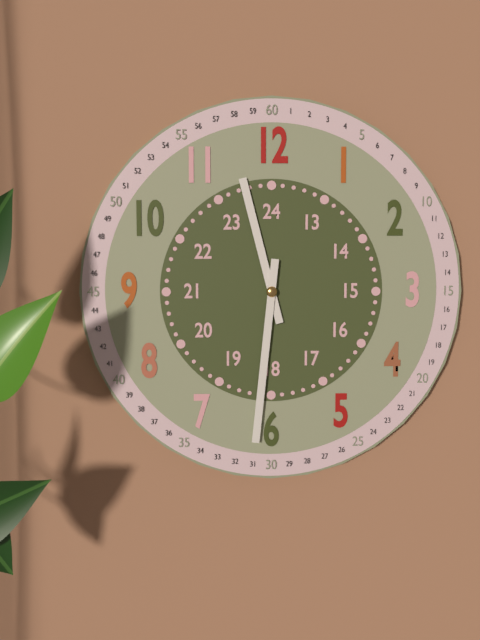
11:31
